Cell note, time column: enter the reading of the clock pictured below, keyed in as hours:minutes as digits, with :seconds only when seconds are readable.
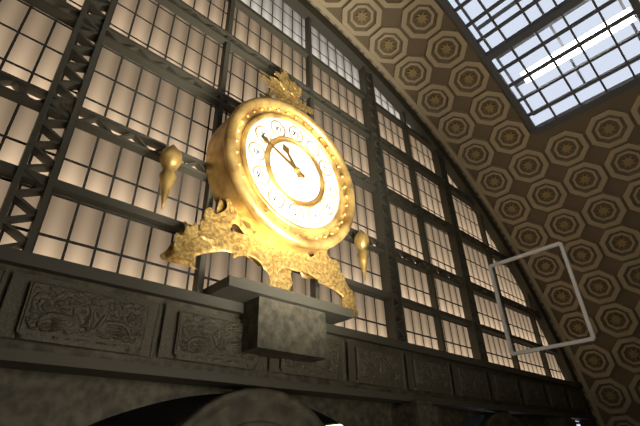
10:49
